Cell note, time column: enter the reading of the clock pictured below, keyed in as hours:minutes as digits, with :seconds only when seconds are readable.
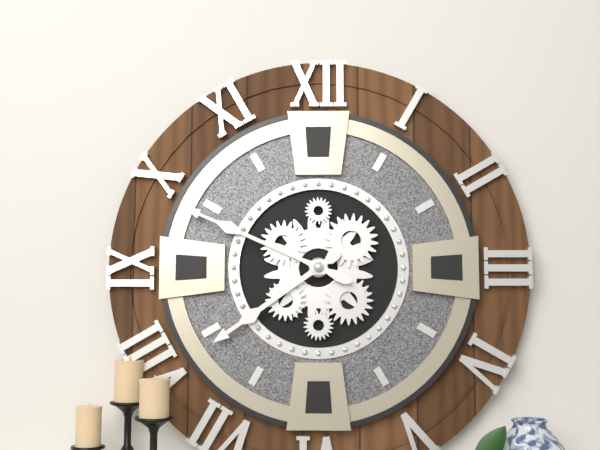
7:49
